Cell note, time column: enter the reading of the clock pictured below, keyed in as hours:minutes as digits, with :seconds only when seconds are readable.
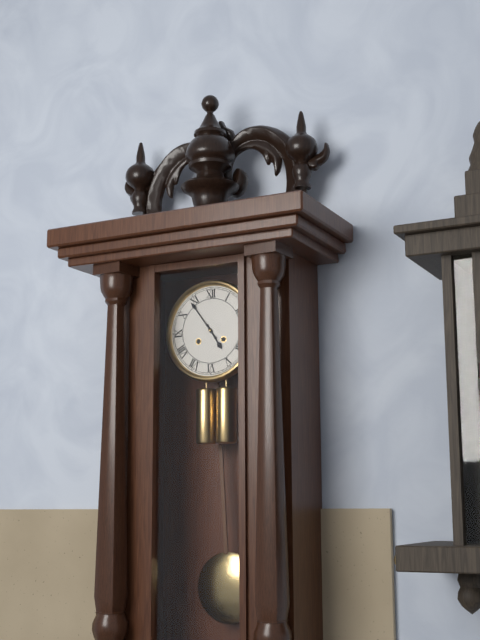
4:54
